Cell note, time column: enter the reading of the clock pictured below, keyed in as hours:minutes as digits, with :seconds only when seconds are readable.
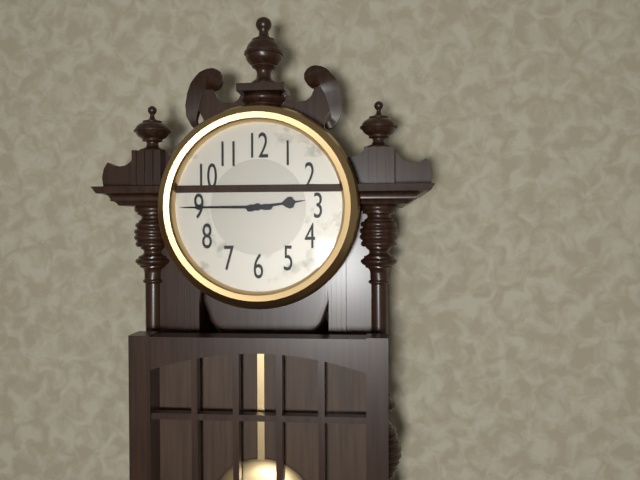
2:45
